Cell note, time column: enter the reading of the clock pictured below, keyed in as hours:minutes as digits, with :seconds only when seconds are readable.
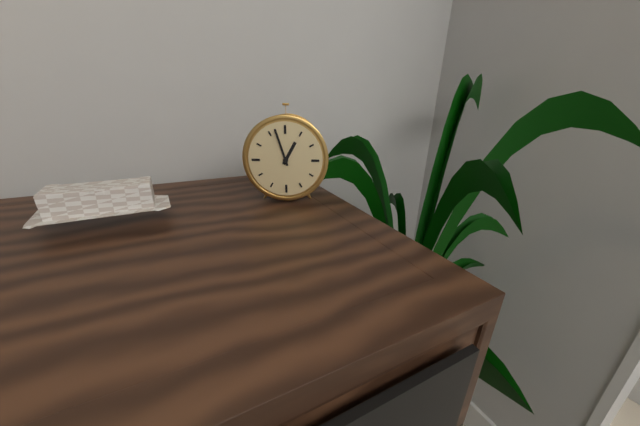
12:57
